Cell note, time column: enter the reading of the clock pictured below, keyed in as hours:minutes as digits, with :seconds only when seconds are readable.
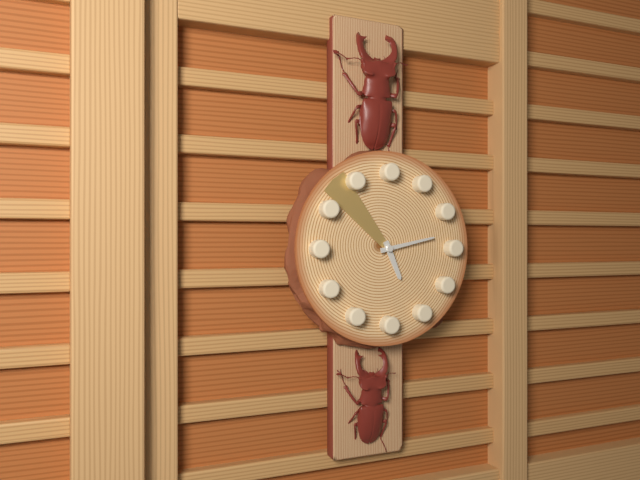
5:13:53
